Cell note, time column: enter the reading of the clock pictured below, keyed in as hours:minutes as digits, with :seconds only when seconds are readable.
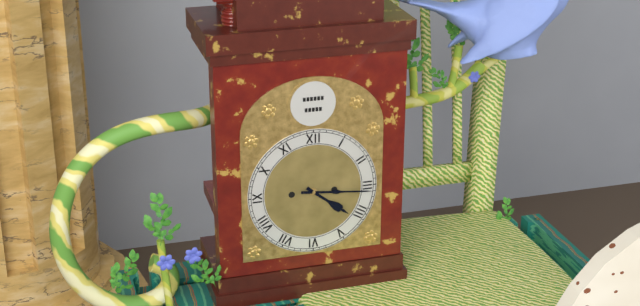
4:16
